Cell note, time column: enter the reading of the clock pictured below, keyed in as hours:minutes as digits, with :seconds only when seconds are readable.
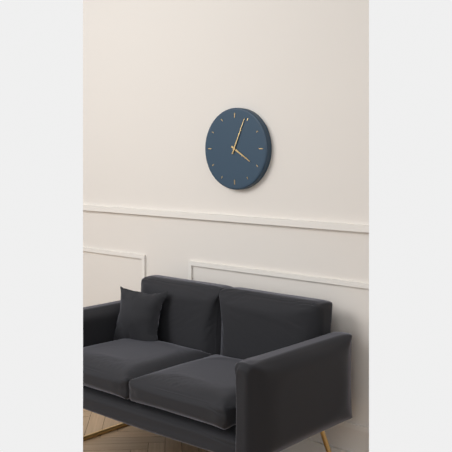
4:04
